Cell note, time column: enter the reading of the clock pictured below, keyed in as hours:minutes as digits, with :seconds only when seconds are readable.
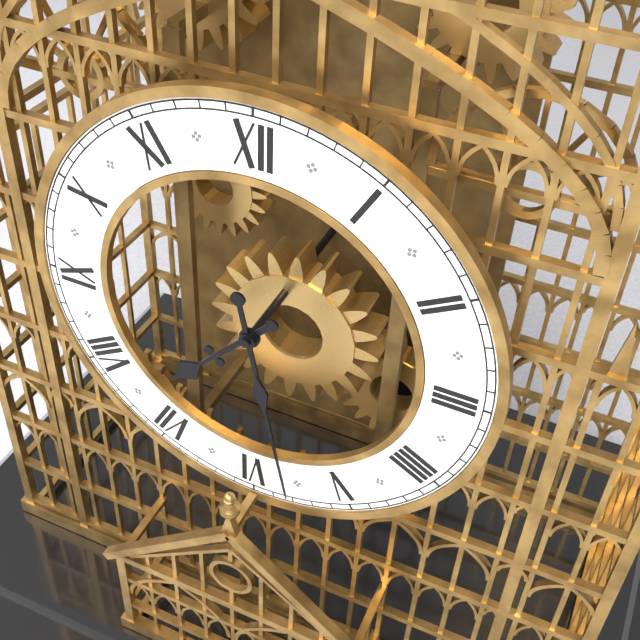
7:28
